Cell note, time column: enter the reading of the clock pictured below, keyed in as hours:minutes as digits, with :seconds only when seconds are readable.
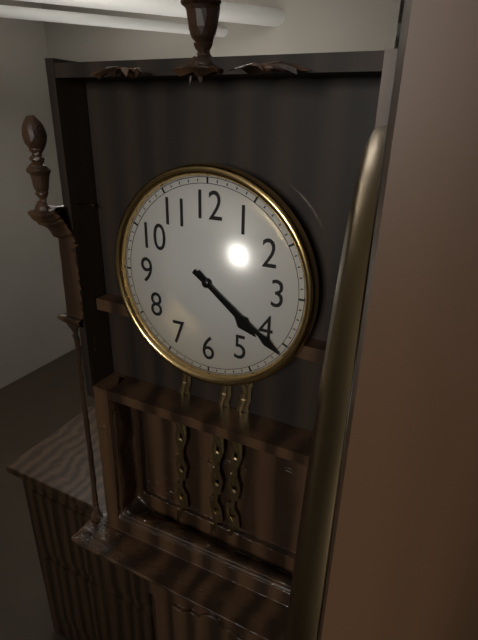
4:21
